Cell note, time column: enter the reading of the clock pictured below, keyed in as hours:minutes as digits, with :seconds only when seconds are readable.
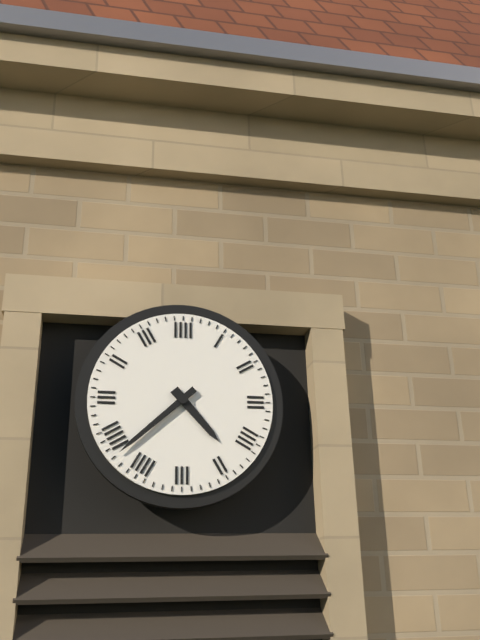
4:38
